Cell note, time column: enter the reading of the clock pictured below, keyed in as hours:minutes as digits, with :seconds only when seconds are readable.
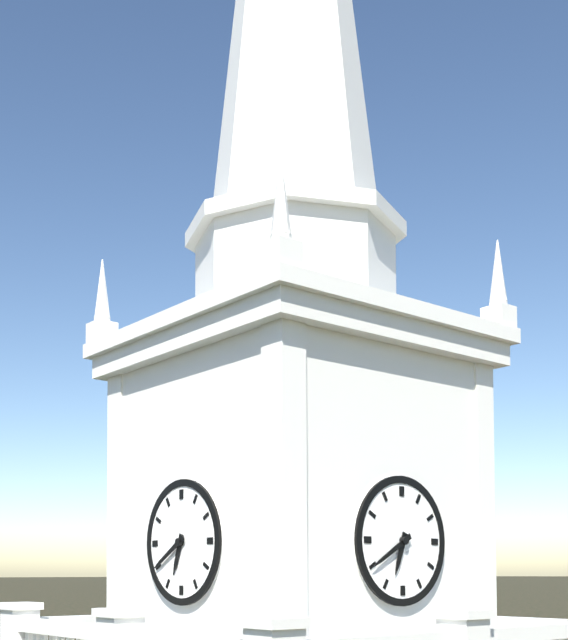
6:40
